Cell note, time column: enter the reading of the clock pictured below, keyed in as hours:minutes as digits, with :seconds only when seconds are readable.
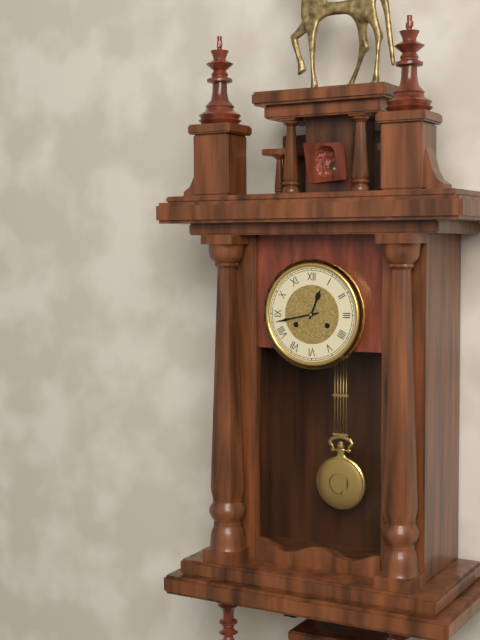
12:43
